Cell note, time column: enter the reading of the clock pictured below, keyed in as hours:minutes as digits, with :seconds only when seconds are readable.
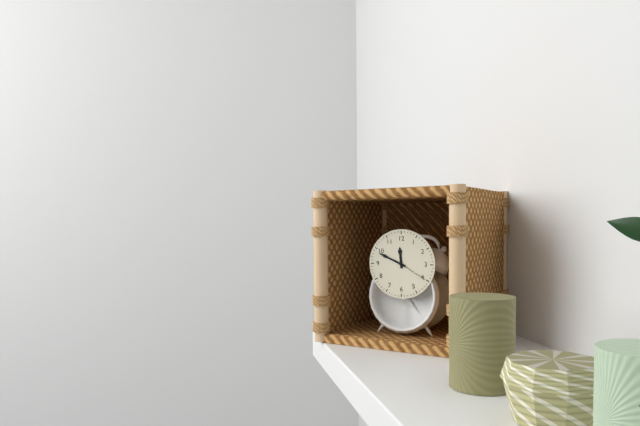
11:49
